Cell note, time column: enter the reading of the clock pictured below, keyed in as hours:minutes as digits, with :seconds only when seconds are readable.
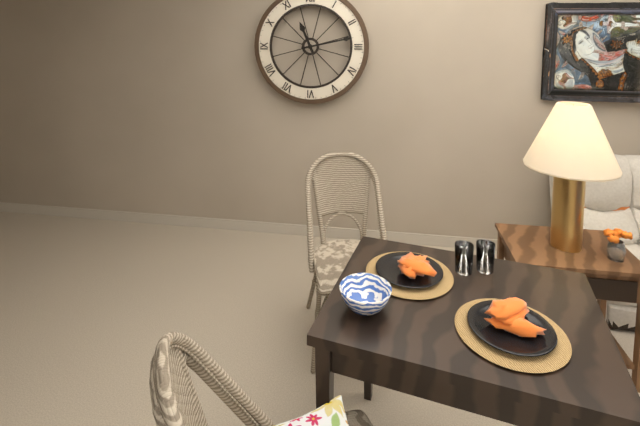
11:13
